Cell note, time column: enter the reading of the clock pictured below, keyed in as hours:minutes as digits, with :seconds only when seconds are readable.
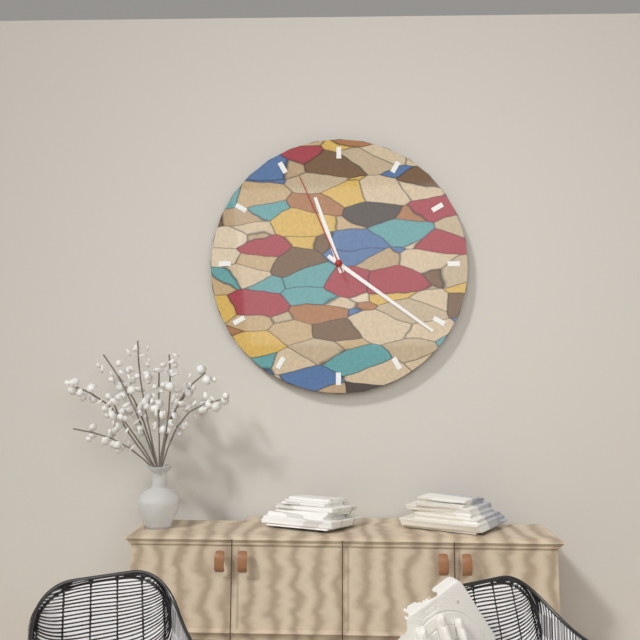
11:21:56
